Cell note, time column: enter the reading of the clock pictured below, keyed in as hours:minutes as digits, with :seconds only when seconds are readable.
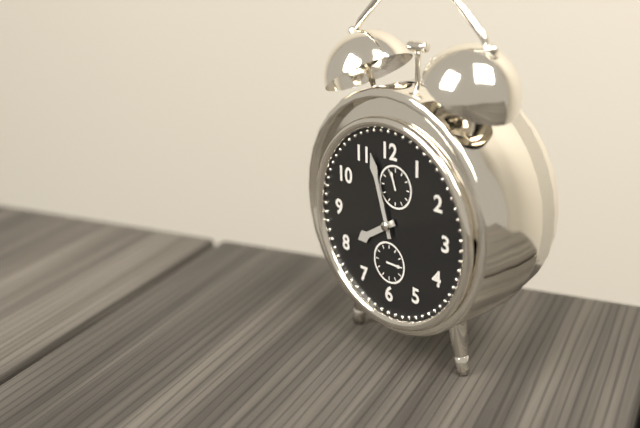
7:57
